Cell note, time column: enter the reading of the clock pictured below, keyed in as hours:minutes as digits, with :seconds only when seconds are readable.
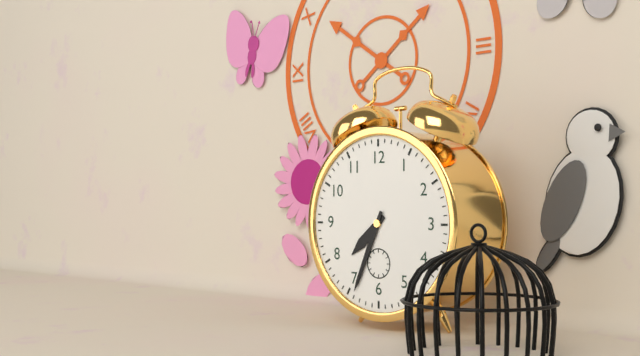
7:34
